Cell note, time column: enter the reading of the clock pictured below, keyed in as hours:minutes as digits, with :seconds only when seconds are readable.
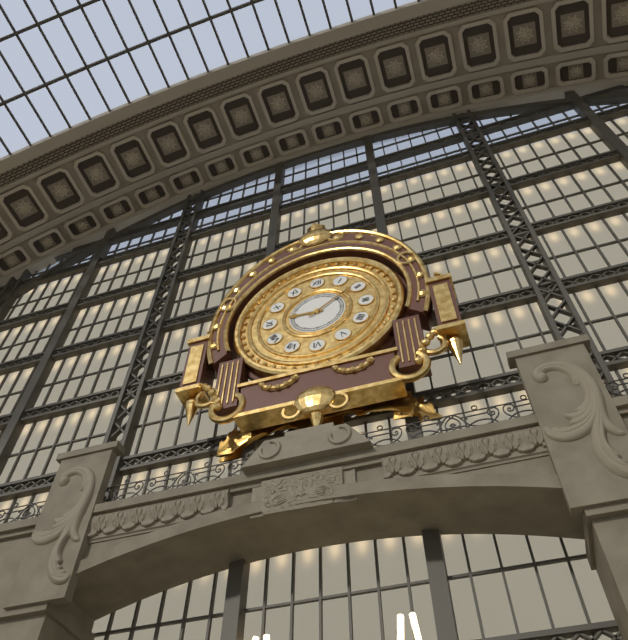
9:09
